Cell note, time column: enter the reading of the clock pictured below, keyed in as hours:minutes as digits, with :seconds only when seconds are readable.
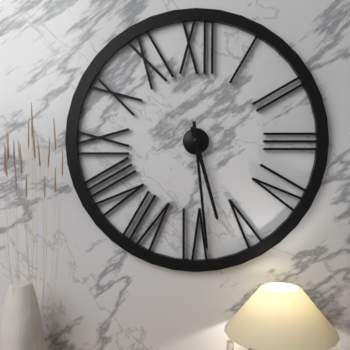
5:29
